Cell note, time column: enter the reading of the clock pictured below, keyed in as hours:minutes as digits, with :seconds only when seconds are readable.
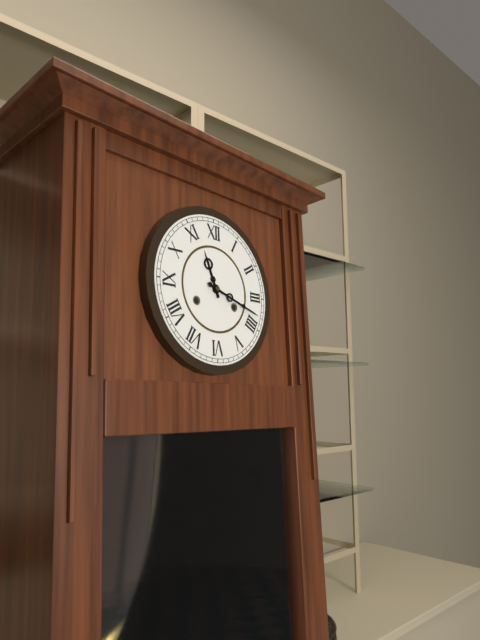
11:18
